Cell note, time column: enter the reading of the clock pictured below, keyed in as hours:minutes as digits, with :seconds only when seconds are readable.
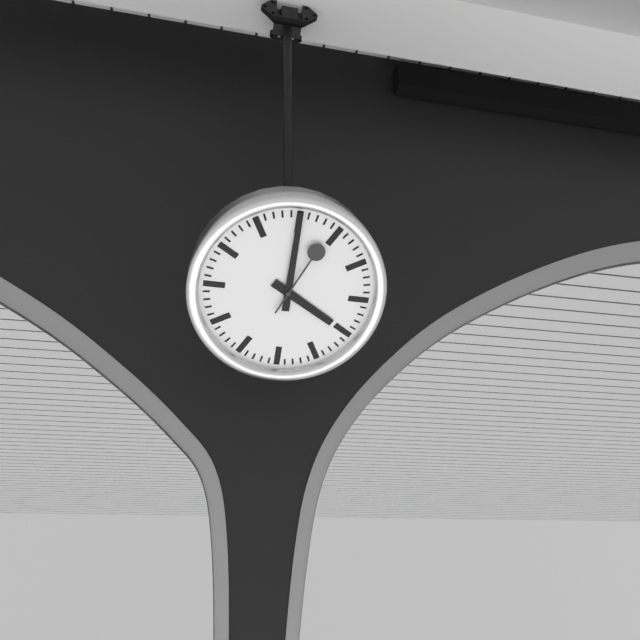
4:00:04
